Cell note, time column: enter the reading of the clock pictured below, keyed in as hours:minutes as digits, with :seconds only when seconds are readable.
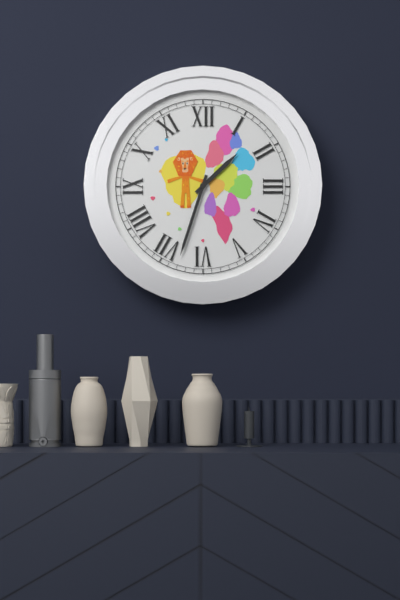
1:33
